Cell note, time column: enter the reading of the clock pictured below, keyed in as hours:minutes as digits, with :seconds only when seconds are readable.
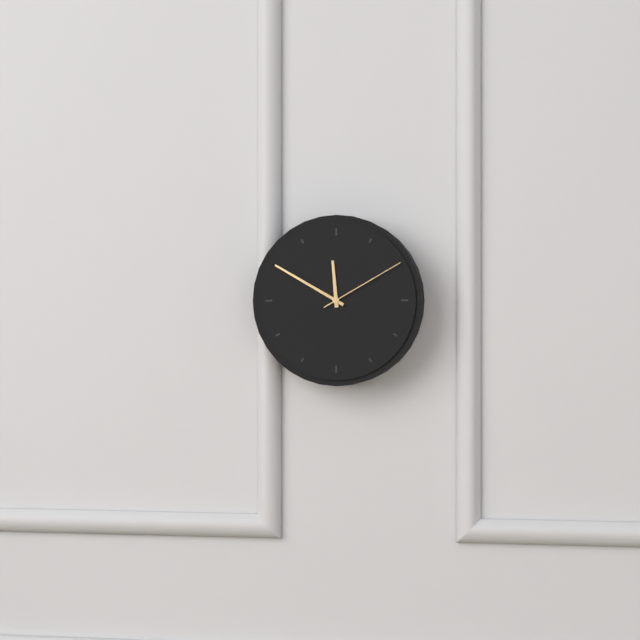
11:50:10
